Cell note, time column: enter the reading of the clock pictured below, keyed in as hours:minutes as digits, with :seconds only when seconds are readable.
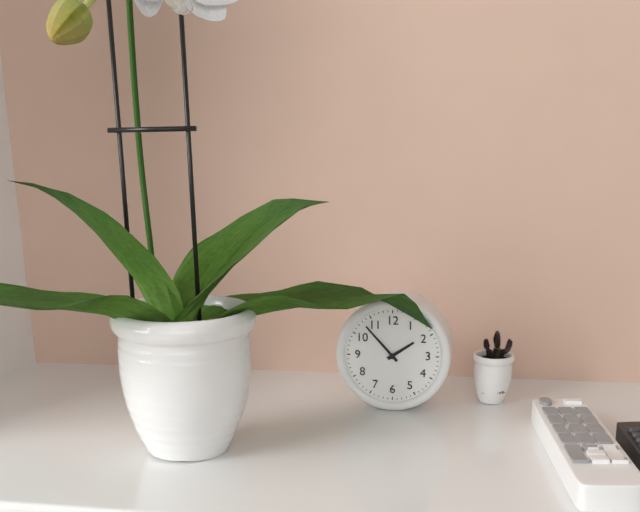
1:53
